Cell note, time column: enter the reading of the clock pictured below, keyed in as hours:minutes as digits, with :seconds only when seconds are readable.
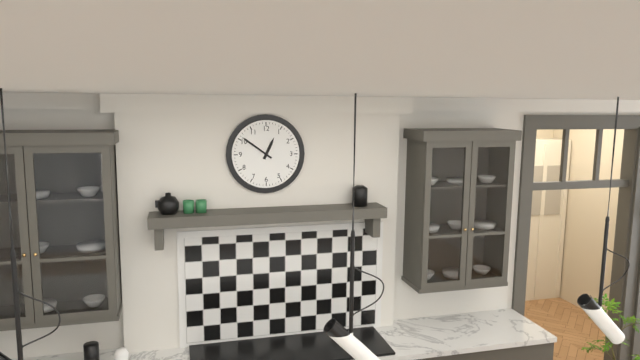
12:51
